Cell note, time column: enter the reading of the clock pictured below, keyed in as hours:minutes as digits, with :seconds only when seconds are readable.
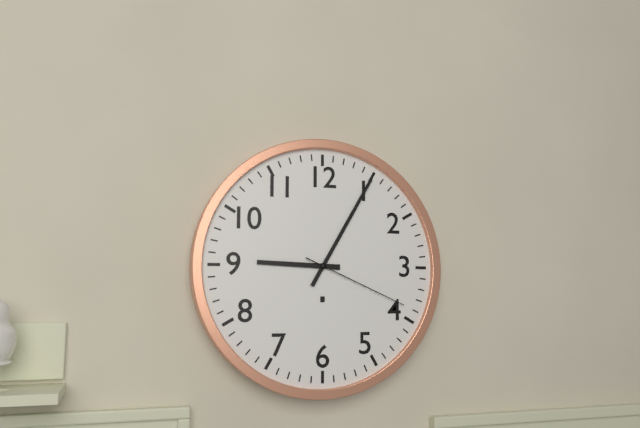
9:05:19
